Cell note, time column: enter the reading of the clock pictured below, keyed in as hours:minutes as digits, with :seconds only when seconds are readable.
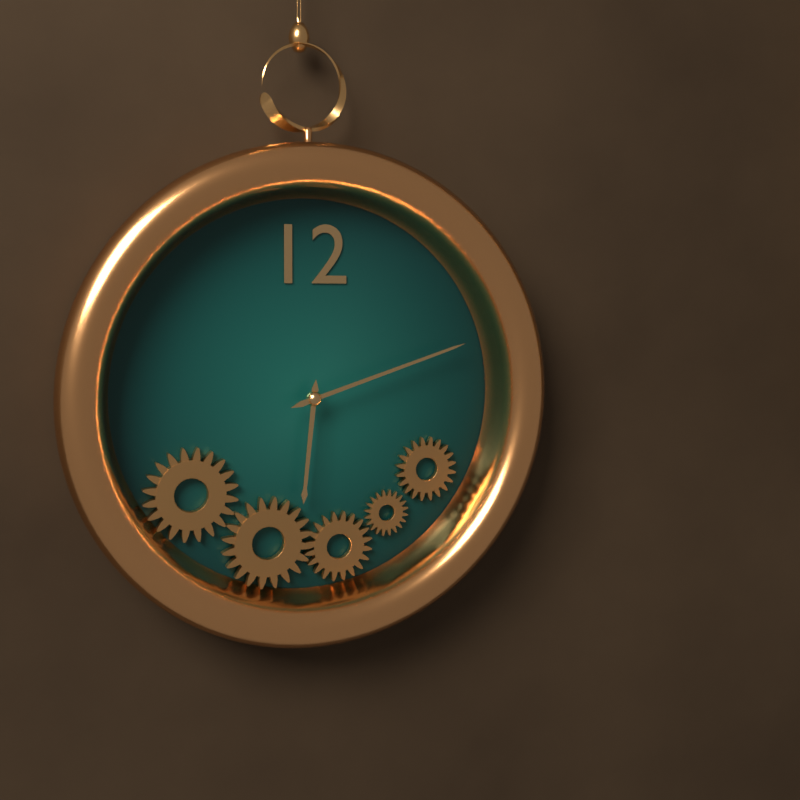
6:12
